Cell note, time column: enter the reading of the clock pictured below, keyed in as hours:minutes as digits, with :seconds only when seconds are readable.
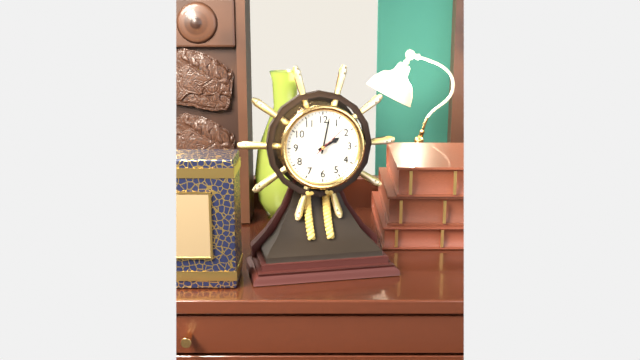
2:02
